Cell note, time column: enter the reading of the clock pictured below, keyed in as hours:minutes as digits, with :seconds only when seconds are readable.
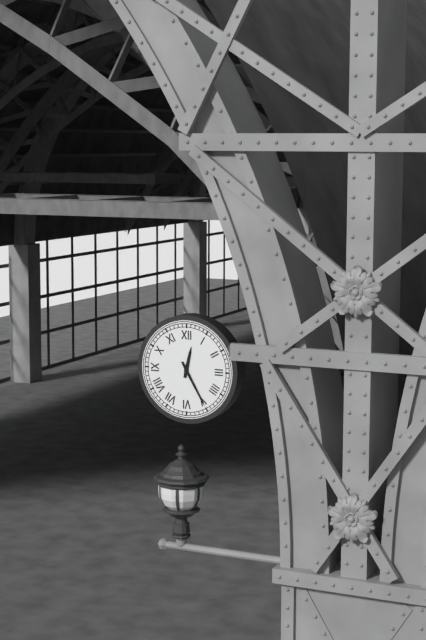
12:25
